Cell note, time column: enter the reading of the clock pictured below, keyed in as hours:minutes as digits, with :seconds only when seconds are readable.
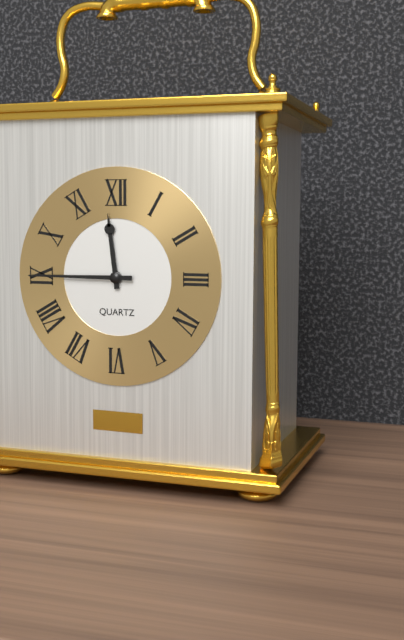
11:45
